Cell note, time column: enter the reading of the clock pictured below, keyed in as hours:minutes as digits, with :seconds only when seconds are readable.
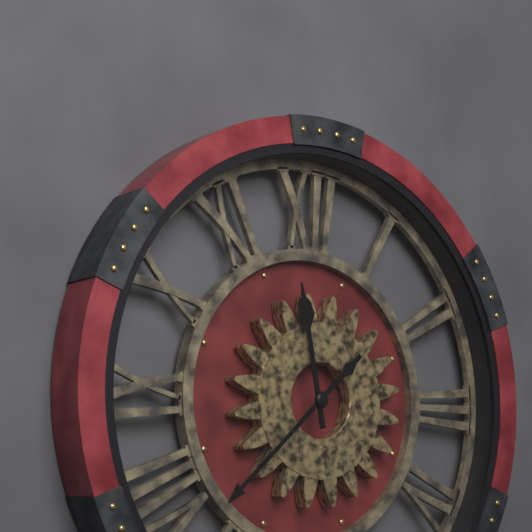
11:38
